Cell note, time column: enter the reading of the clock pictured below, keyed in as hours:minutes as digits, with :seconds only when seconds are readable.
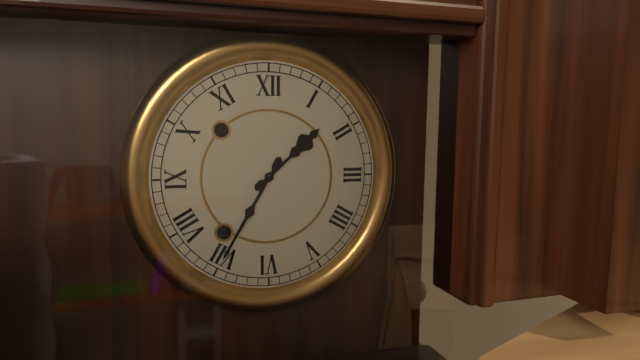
1:35
